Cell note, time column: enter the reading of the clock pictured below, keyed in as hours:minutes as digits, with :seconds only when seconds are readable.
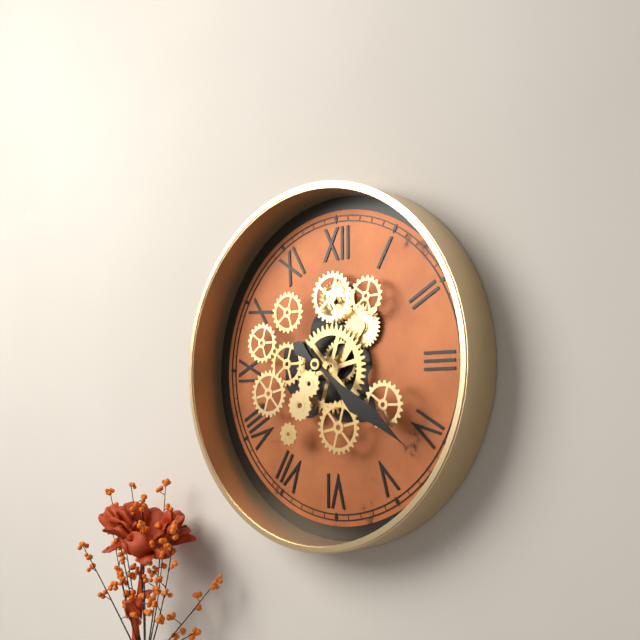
4:21
